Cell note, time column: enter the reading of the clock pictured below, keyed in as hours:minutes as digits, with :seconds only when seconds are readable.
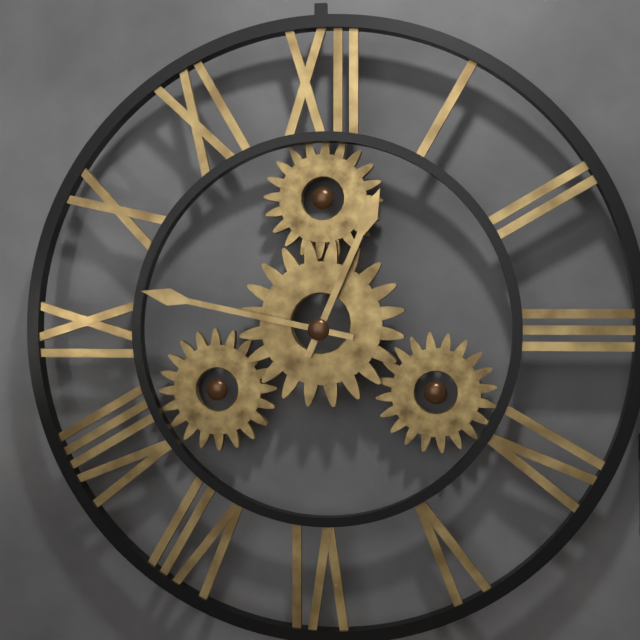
12:47
